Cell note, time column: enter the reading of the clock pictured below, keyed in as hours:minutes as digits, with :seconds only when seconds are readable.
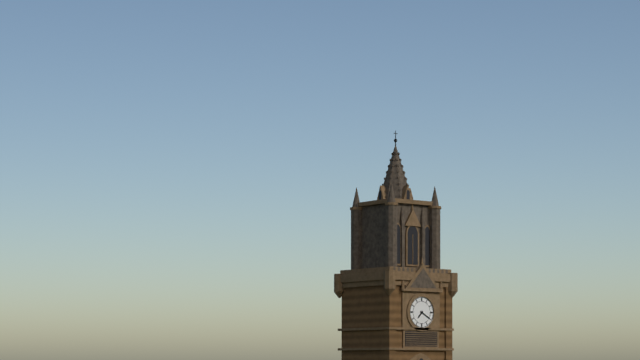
7:20
